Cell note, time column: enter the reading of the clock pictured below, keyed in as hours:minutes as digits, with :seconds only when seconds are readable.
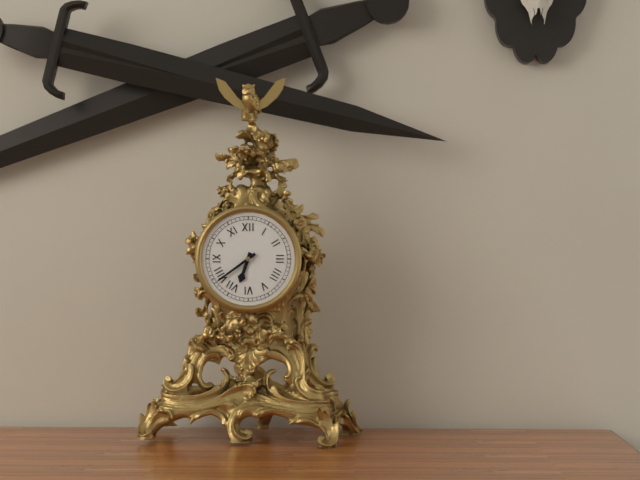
6:39
